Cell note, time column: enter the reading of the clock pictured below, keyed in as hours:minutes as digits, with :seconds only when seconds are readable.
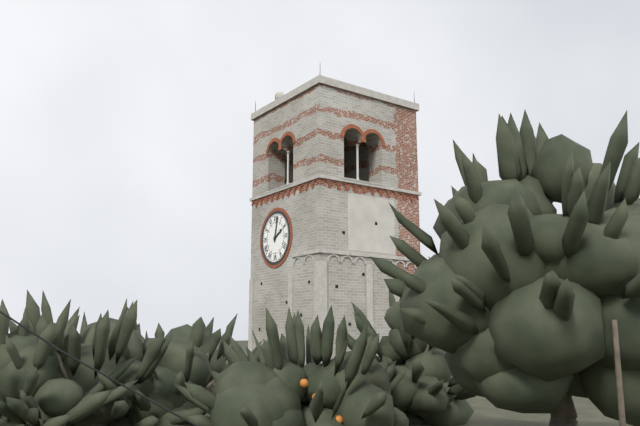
2:02
